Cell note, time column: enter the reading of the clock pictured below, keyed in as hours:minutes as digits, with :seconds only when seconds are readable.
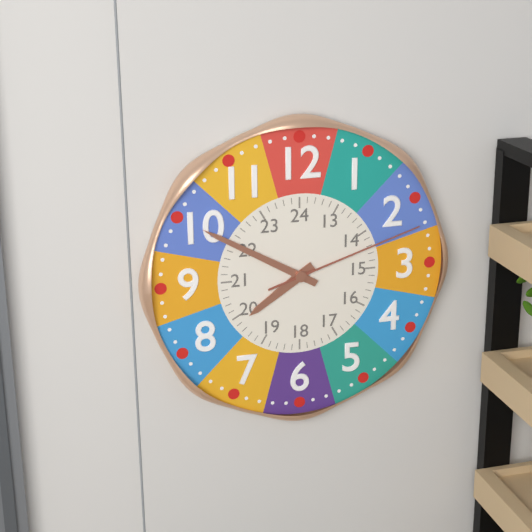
7:50:12
